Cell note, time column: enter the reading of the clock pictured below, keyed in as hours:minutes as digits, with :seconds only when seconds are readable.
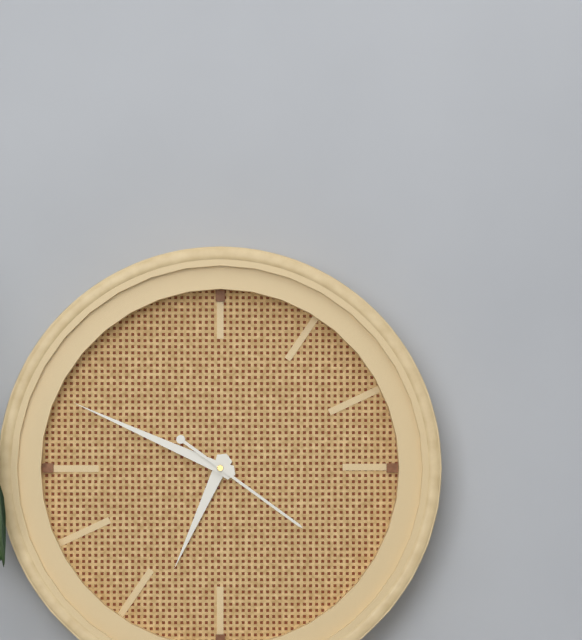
6:49:21
